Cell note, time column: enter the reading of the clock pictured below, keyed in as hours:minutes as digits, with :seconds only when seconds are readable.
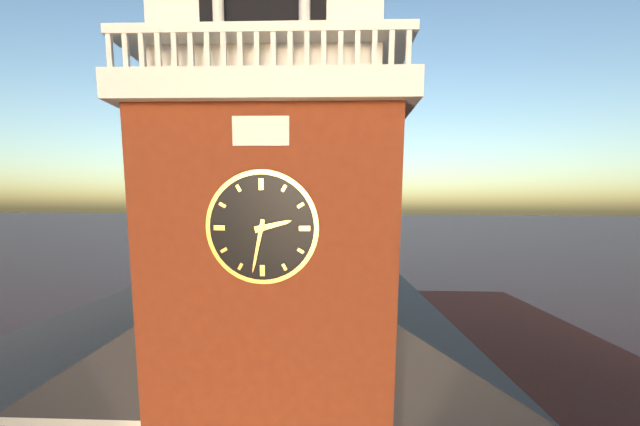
2:32
